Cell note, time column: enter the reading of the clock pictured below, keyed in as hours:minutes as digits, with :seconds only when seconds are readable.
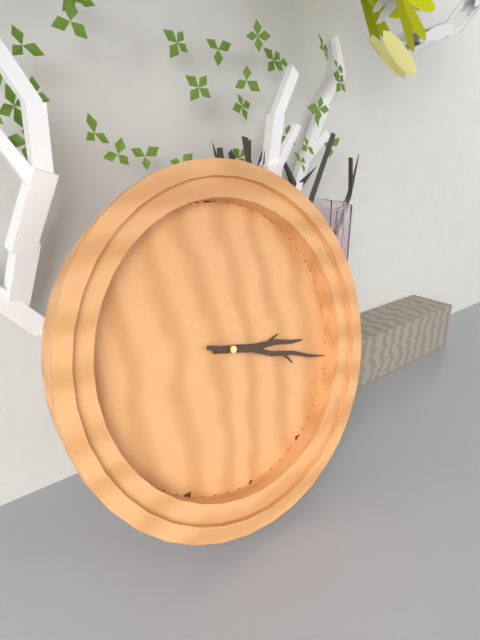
3:18
